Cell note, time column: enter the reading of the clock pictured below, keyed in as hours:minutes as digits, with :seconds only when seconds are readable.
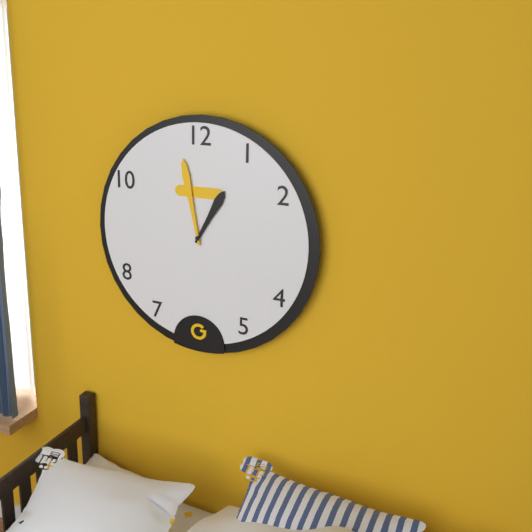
12:58
